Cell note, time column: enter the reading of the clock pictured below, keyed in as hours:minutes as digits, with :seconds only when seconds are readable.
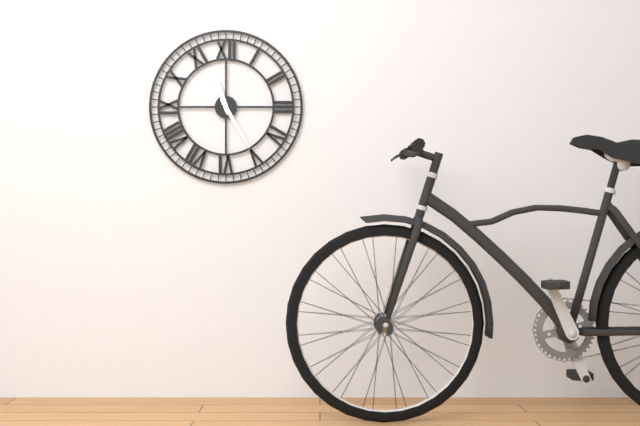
11:25
